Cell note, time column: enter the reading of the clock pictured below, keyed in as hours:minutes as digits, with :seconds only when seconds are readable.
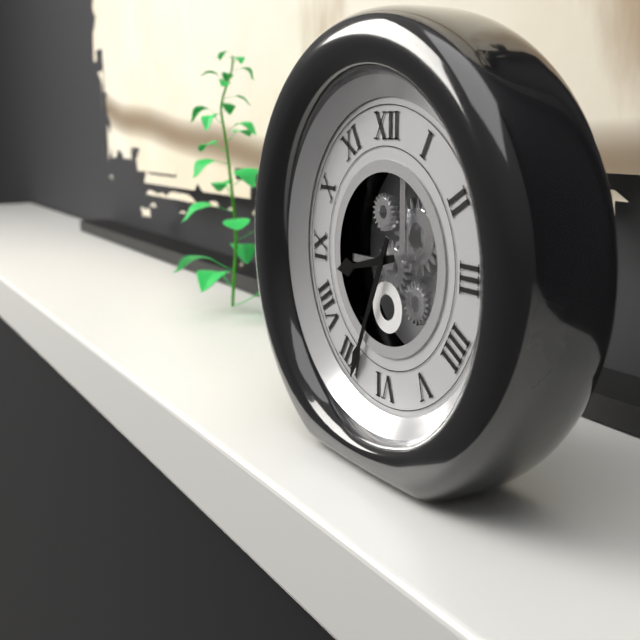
8:34
